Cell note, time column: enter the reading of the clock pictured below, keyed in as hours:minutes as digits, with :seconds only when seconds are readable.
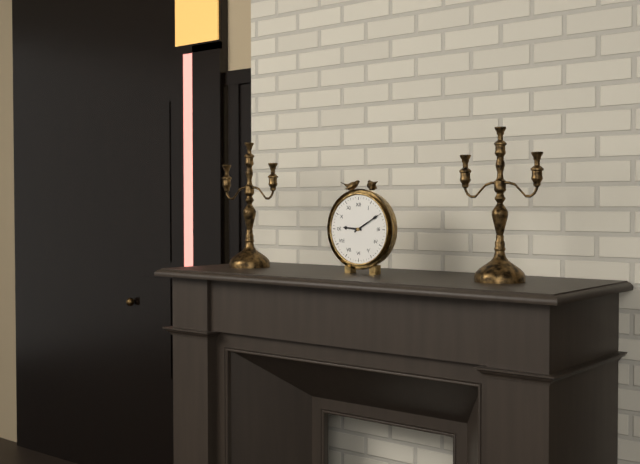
9:10
